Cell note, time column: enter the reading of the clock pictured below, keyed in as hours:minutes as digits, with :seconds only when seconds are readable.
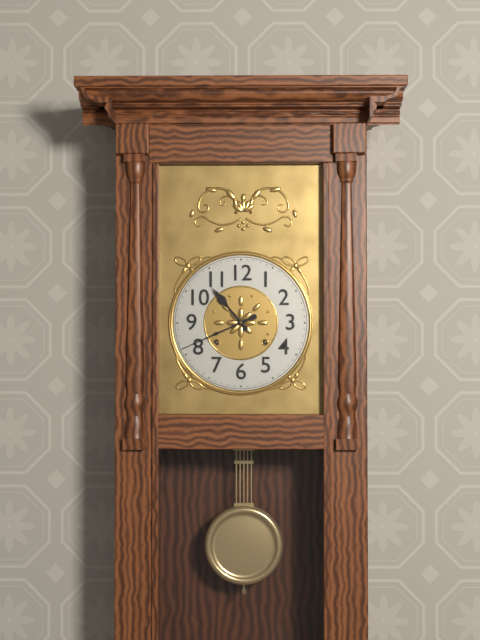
10:41
